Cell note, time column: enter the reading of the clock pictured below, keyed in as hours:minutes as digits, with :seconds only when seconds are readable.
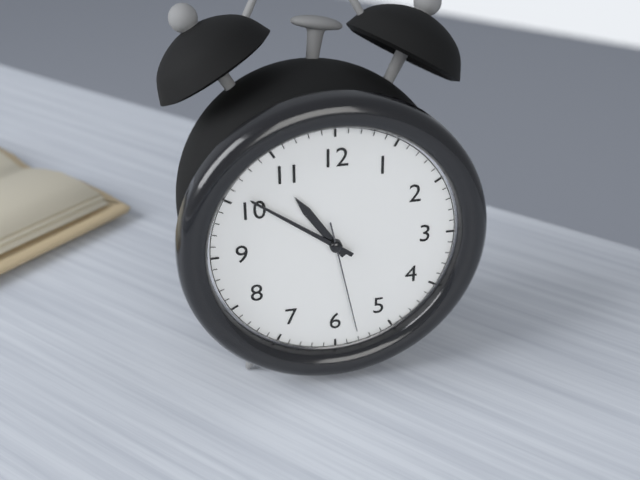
10:51:28
